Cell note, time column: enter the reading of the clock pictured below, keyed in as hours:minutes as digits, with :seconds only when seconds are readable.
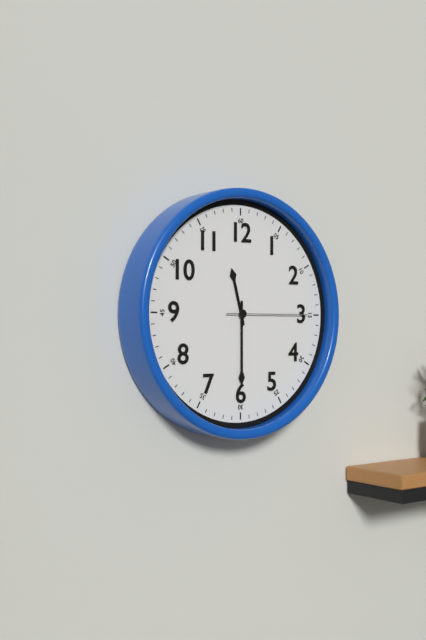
11:30:15
